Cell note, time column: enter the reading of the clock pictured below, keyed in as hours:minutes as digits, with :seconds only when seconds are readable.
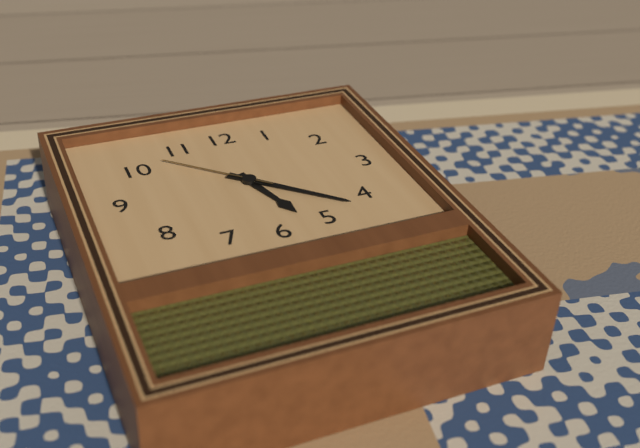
5:22:52
